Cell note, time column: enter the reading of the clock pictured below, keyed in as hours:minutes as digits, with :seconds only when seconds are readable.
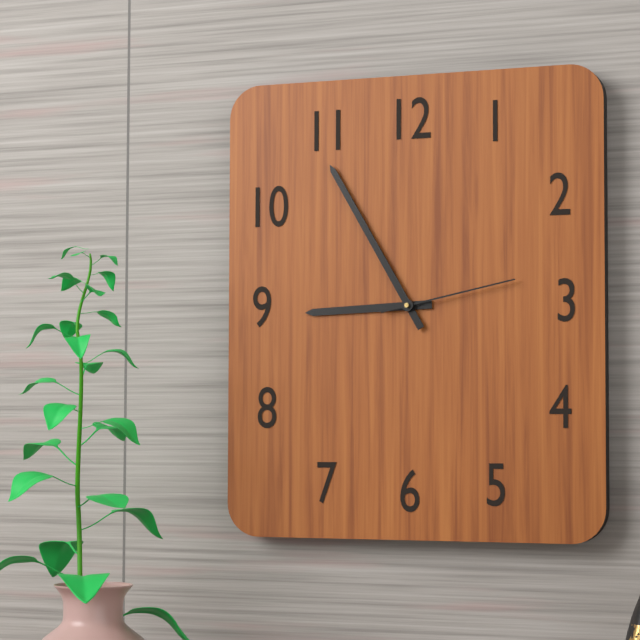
8:55:13
